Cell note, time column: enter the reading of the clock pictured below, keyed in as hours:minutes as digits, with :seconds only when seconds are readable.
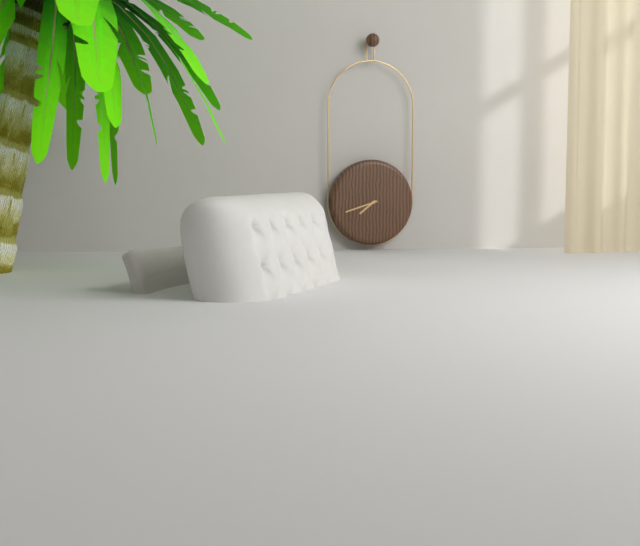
7:42
